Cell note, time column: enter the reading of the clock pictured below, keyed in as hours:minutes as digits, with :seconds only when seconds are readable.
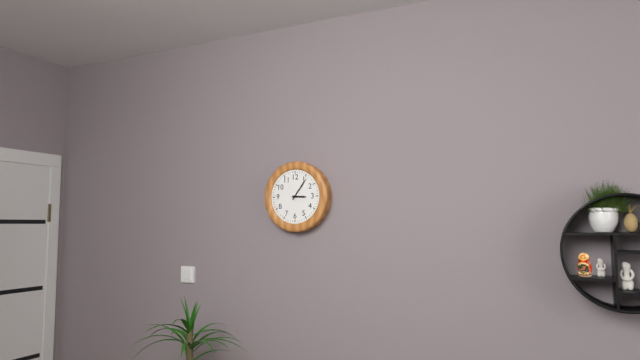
3:06
